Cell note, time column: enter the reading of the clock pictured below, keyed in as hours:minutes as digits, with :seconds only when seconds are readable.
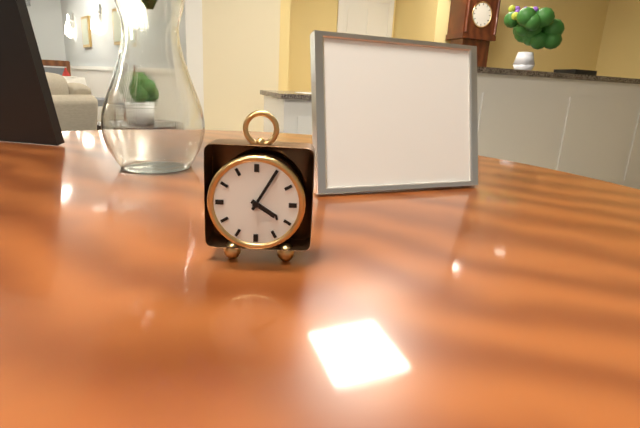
4:05
